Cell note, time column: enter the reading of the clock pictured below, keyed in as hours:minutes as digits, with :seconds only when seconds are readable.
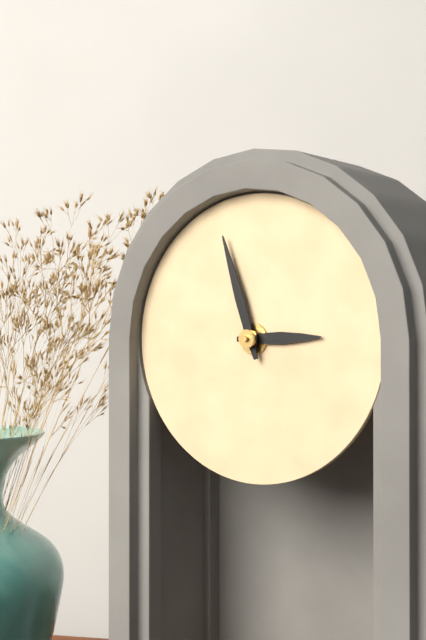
2:57
